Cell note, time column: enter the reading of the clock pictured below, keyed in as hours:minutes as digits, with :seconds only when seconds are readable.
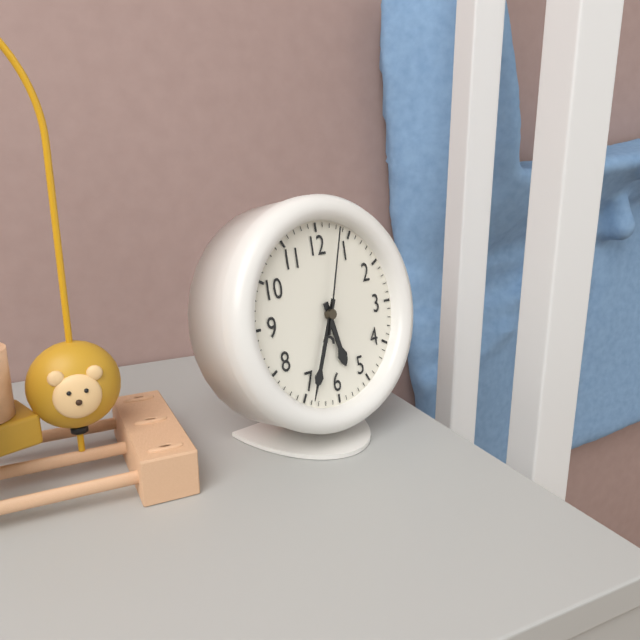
5:34:03
